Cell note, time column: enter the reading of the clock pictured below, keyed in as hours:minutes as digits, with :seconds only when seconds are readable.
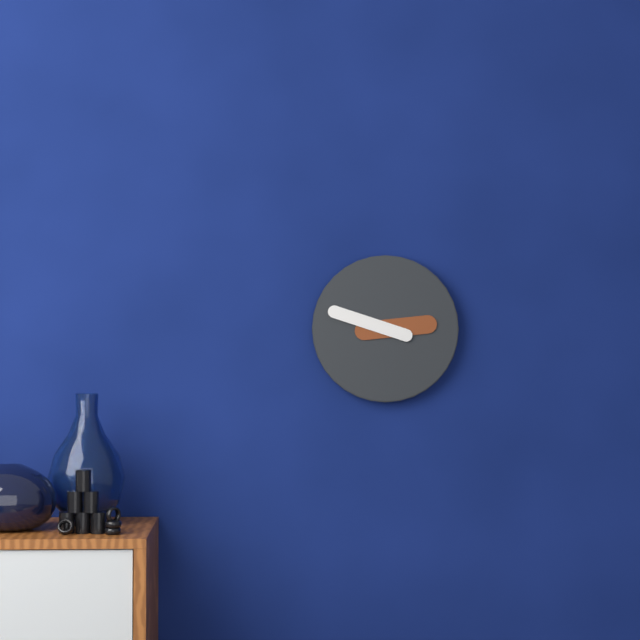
2:48
